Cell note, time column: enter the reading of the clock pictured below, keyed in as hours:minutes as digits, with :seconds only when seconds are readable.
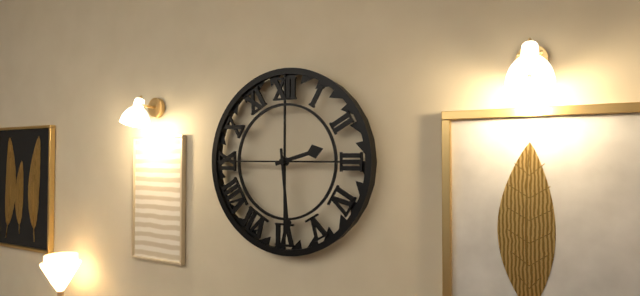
2:29
